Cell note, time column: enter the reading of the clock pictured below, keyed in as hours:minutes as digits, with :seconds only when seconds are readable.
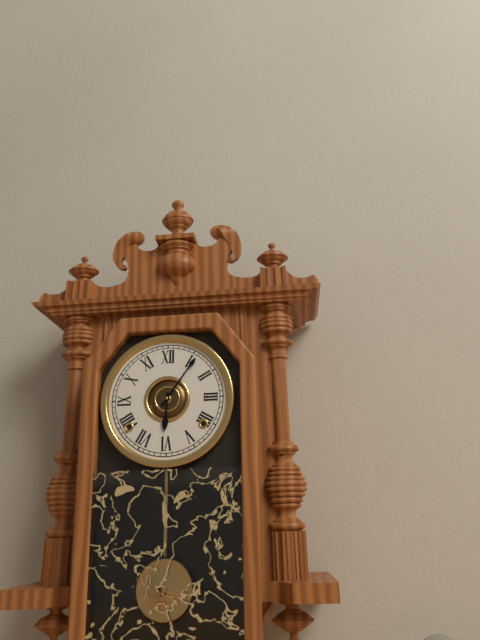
6:06
